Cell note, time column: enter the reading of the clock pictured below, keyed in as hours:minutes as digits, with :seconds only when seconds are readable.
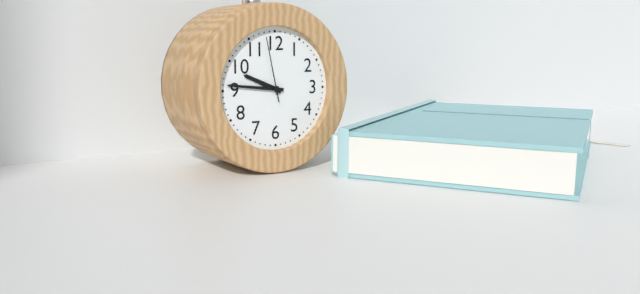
9:46:58
